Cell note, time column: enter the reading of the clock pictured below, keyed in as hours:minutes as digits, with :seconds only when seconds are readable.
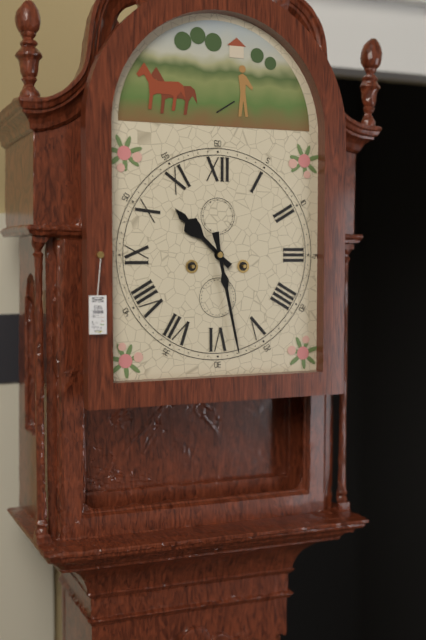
10:28
